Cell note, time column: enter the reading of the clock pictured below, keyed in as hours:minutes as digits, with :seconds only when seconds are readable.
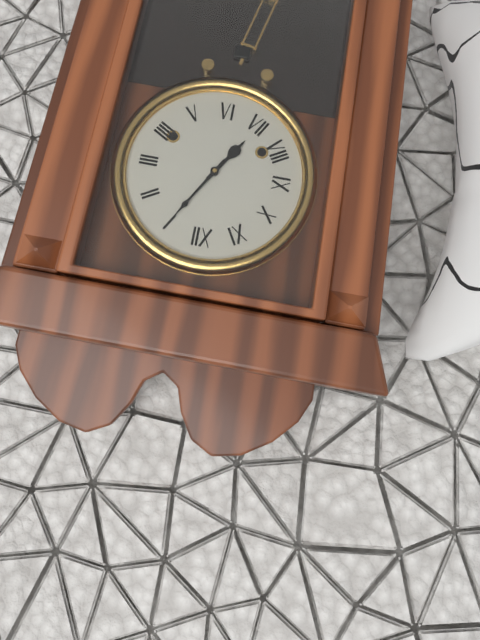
7:05
